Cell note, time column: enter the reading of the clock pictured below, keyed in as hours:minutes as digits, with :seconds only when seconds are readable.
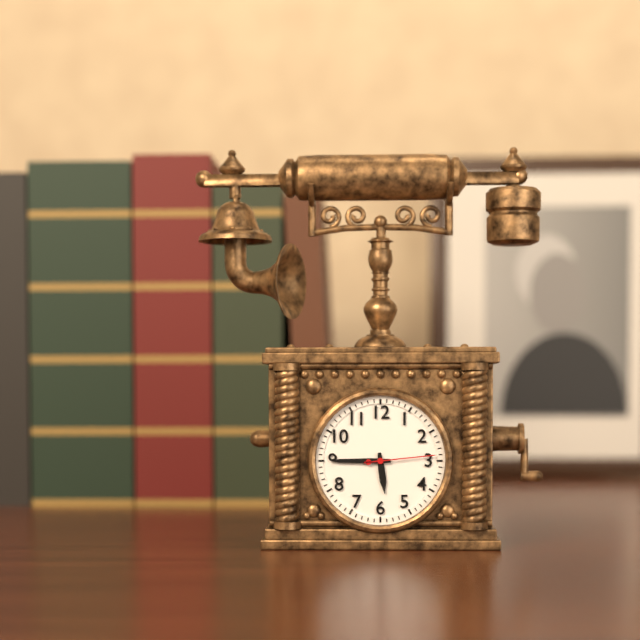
5:45:14
